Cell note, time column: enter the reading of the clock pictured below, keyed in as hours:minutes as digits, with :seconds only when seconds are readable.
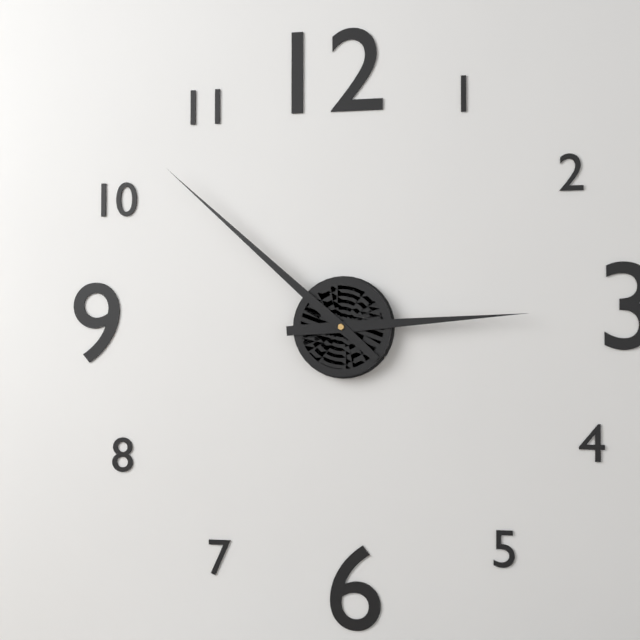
2:52
